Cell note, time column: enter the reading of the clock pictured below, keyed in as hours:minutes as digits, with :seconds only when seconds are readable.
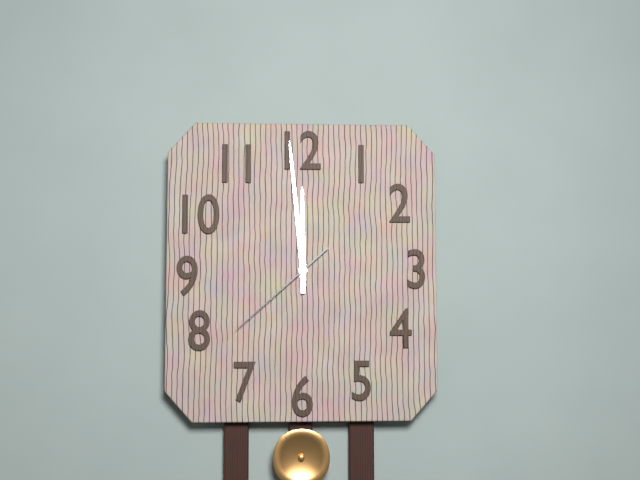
11:59:38
